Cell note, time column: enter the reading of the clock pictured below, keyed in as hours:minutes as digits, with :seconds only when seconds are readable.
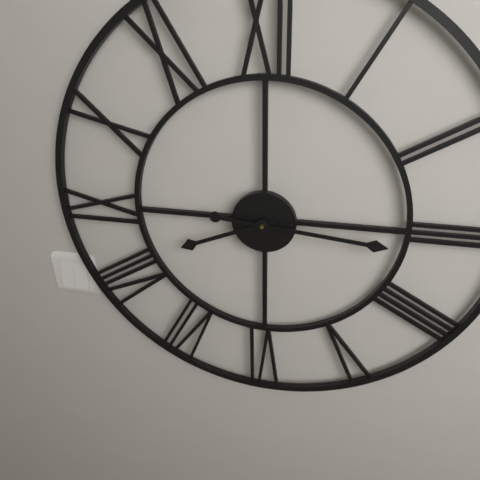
8:16
